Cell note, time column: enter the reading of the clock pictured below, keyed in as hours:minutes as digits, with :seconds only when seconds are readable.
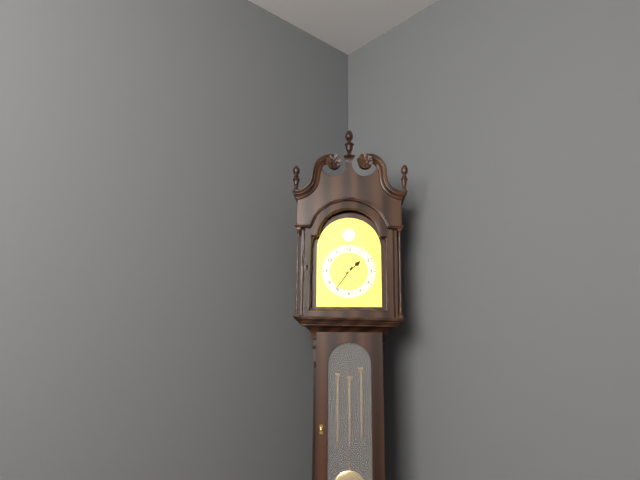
1:36
